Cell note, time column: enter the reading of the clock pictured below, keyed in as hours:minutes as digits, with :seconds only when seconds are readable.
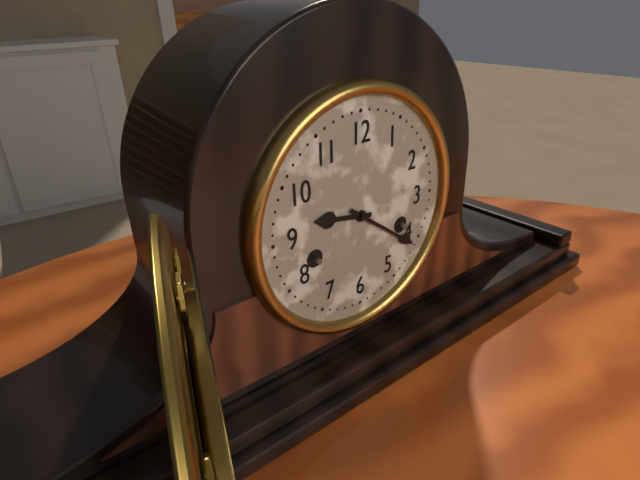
9:21
